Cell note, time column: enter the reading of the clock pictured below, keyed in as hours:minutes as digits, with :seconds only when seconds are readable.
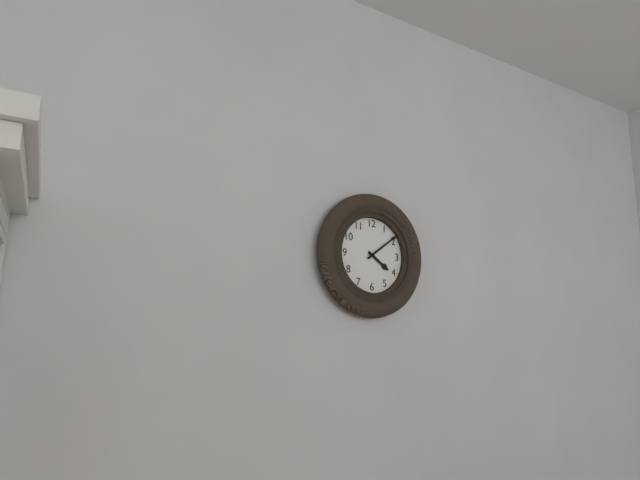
4:09
